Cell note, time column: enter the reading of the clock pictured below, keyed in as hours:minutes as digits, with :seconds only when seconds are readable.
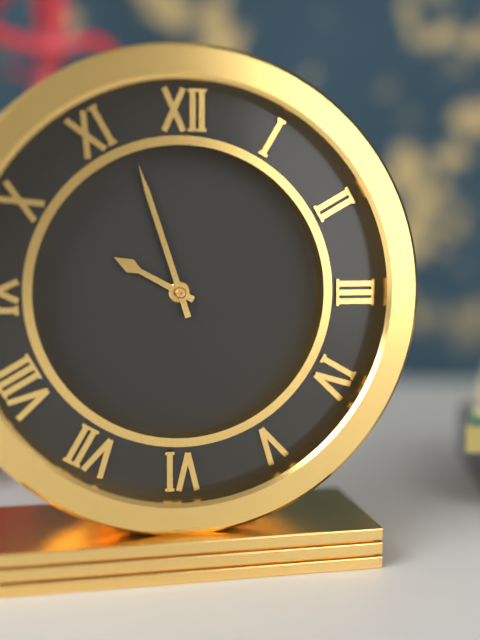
9:57
